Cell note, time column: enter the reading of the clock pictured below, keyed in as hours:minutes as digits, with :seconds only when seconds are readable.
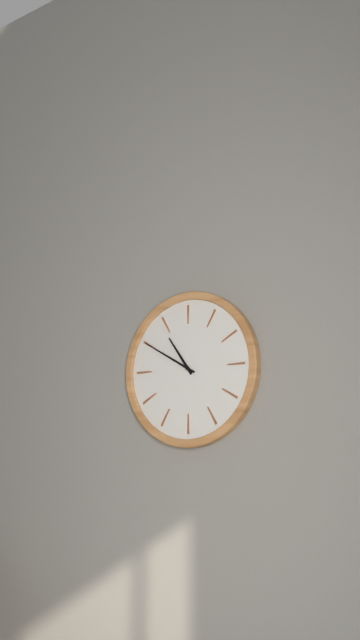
10:50
